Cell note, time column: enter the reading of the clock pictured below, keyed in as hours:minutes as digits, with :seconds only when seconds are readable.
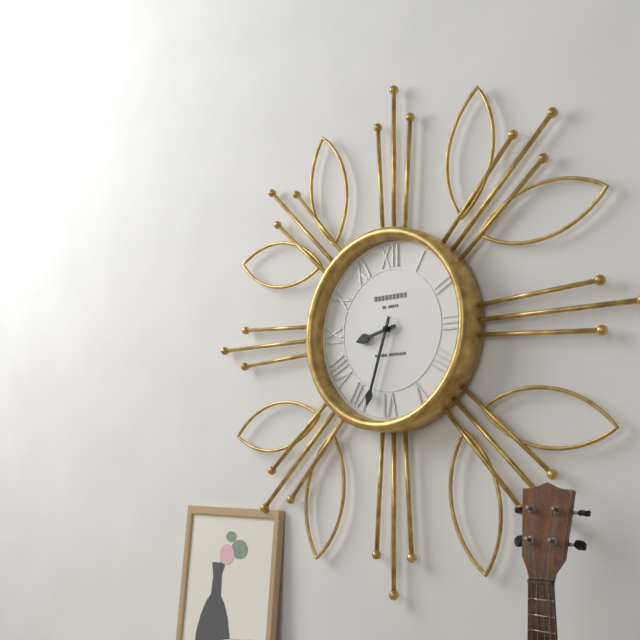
8:33
